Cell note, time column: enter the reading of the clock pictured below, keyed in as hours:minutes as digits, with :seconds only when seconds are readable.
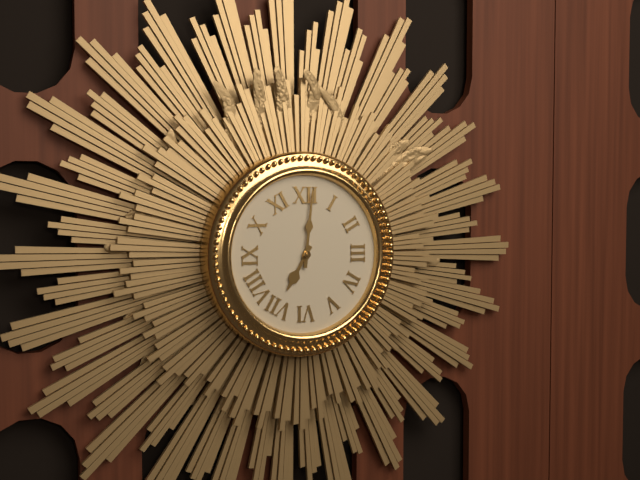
7:01
